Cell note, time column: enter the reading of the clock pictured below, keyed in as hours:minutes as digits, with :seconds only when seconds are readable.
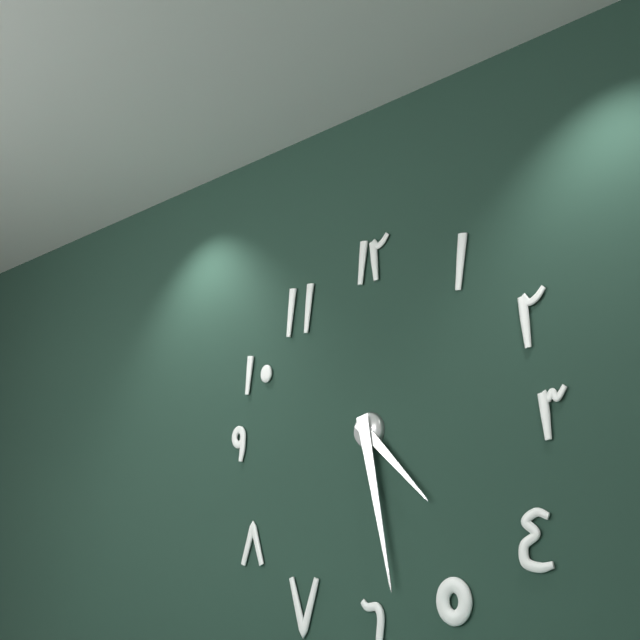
4:28
